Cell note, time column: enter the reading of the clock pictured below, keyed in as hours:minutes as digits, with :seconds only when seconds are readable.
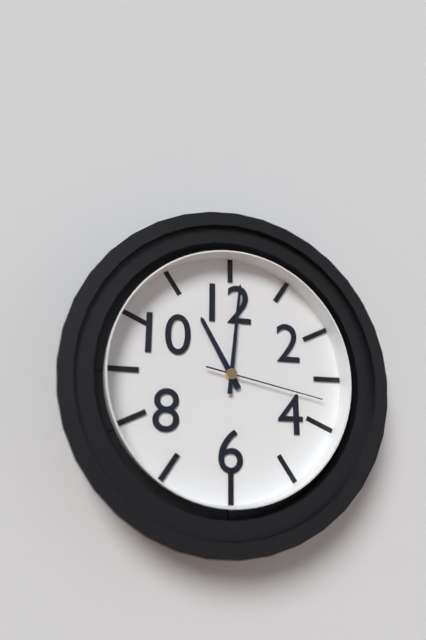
11:01:17
